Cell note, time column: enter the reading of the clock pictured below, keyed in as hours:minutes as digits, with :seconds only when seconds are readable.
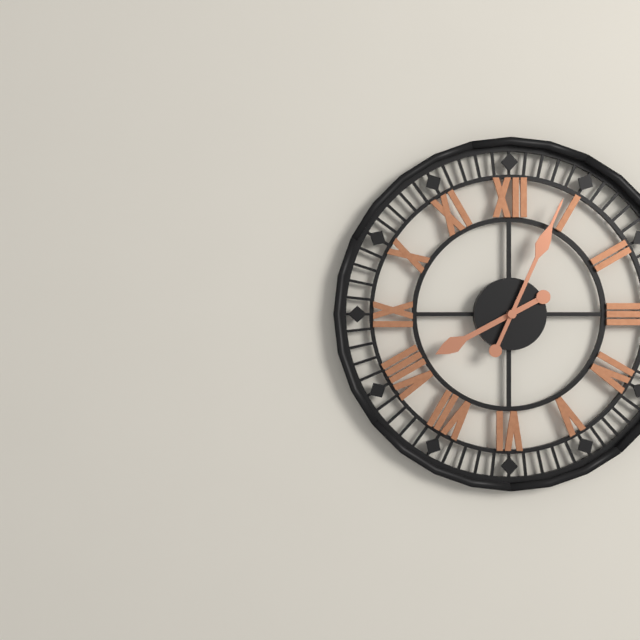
8:04
